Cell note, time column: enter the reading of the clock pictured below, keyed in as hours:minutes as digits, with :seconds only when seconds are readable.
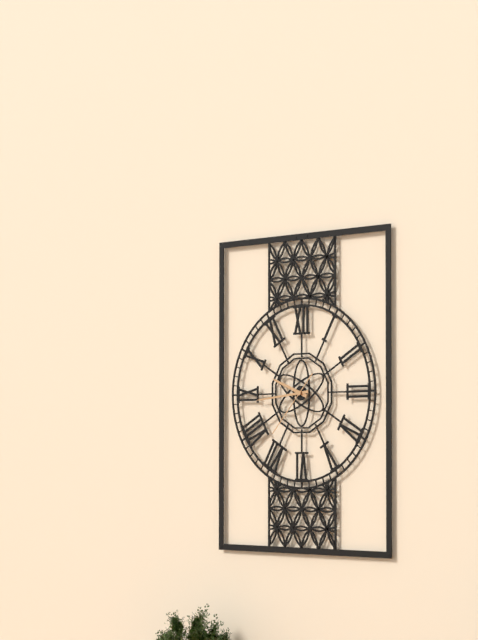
9:44:37
